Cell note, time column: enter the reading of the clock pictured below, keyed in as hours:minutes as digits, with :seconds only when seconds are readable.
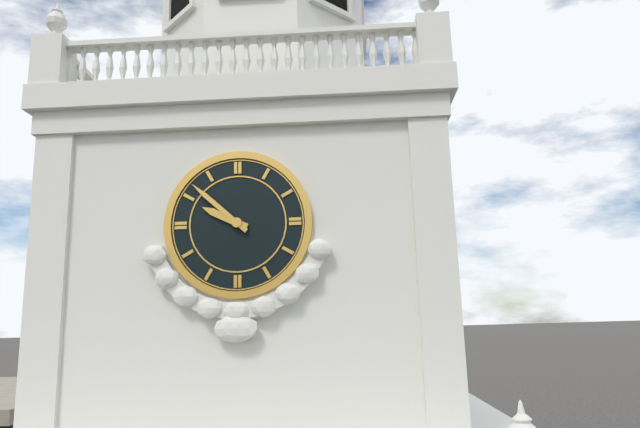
9:52
